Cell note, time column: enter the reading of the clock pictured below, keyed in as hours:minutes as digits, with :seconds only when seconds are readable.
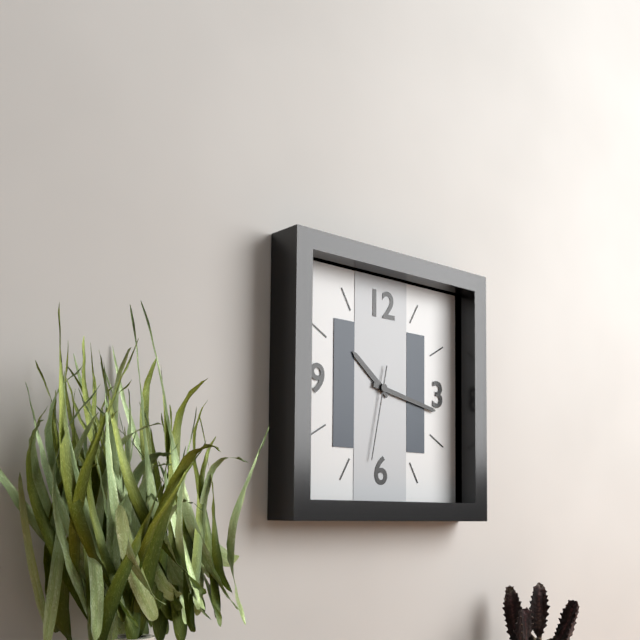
10:17:32
